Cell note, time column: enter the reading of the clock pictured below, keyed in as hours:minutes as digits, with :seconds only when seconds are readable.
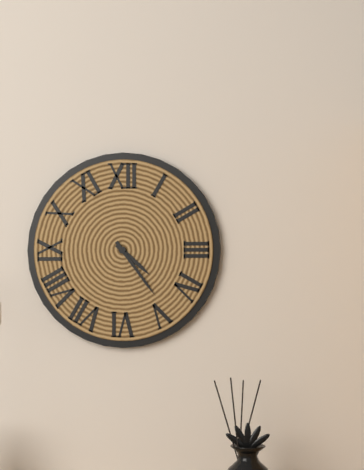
4:24
